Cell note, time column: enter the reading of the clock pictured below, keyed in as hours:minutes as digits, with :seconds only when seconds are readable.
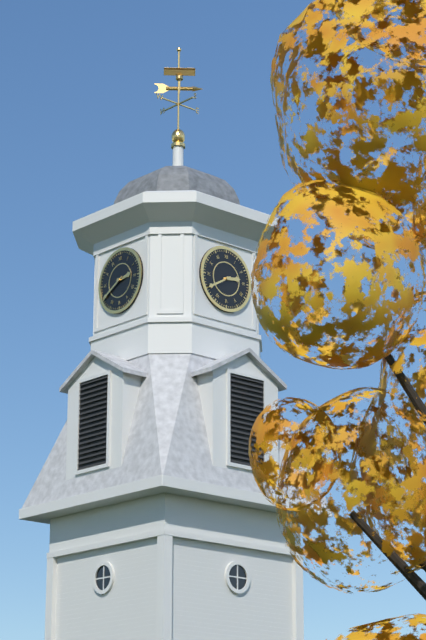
2:40
